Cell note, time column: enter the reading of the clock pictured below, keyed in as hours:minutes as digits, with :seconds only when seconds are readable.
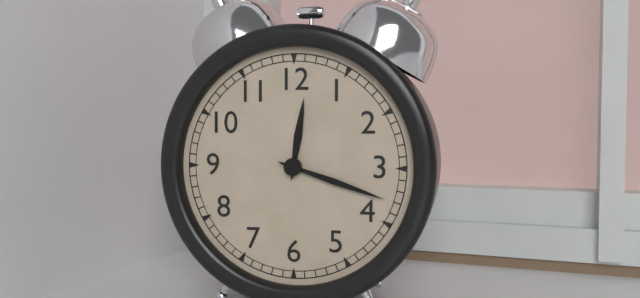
12:18
